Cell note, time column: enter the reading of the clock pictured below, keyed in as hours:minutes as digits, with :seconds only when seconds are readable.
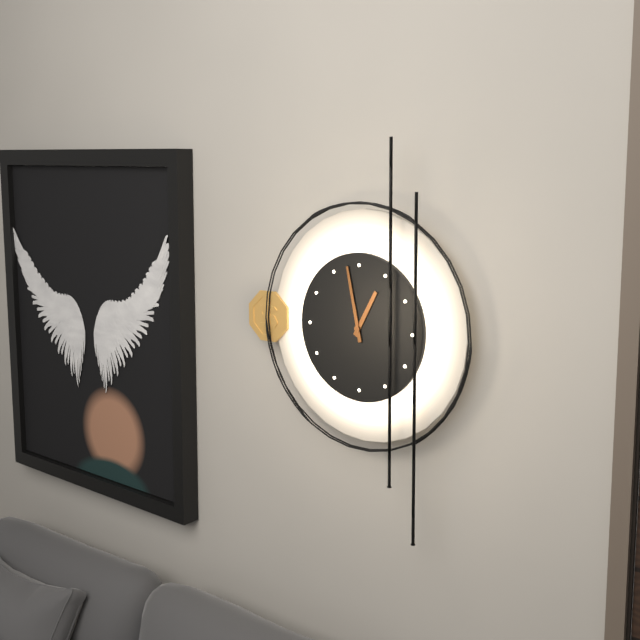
12:58
